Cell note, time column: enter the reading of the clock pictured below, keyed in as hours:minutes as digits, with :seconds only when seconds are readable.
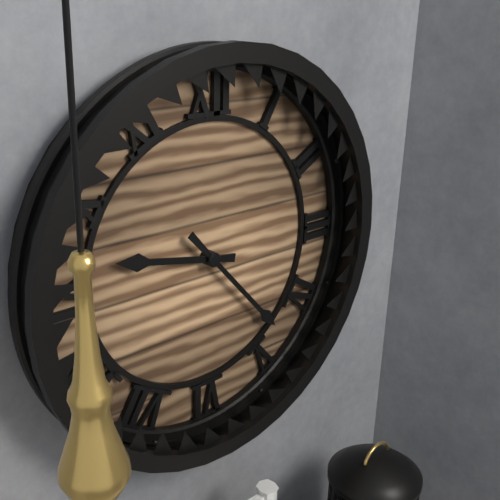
9:23
